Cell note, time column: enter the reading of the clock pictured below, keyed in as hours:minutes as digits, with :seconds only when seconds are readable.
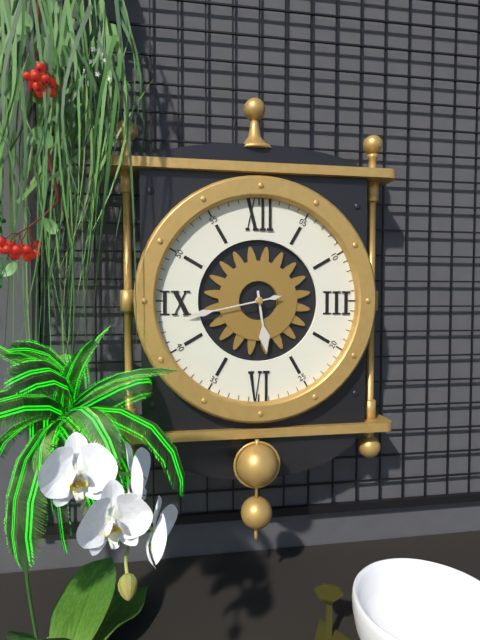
5:43
